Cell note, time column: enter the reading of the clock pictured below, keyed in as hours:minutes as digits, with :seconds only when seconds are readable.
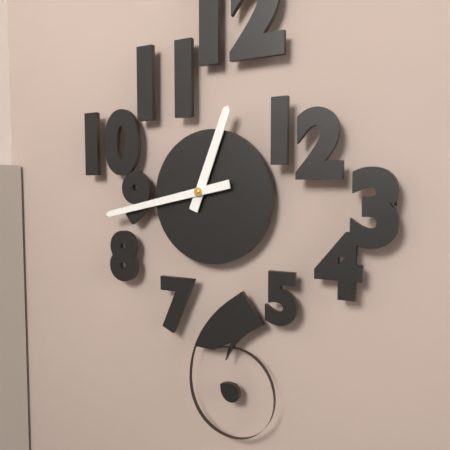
12:43
